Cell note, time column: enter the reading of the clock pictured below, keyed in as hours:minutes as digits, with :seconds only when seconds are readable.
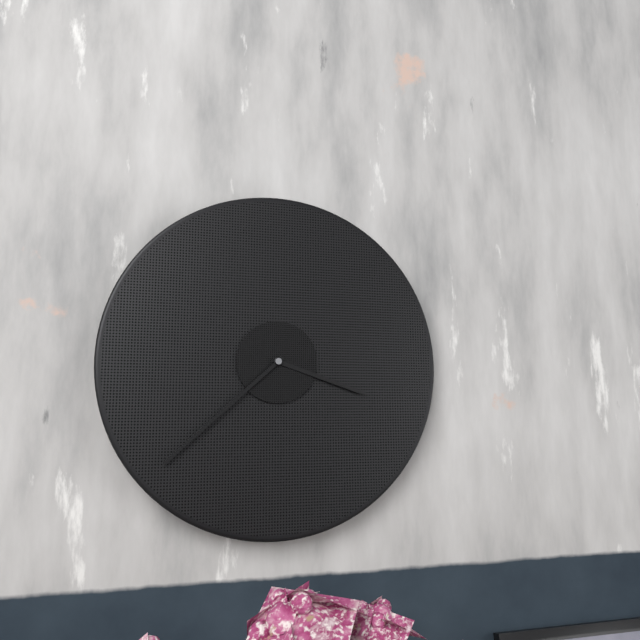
3:38
